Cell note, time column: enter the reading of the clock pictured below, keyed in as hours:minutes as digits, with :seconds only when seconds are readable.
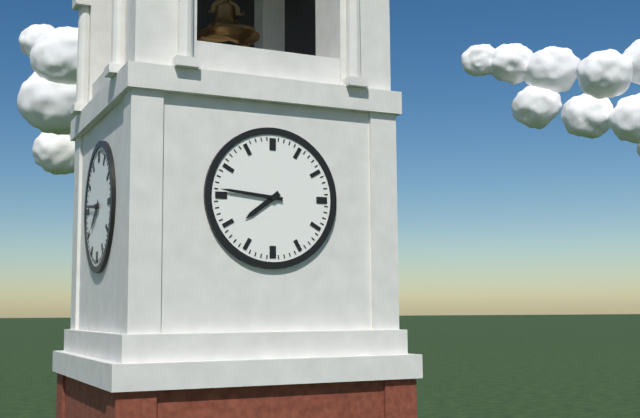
7:46
